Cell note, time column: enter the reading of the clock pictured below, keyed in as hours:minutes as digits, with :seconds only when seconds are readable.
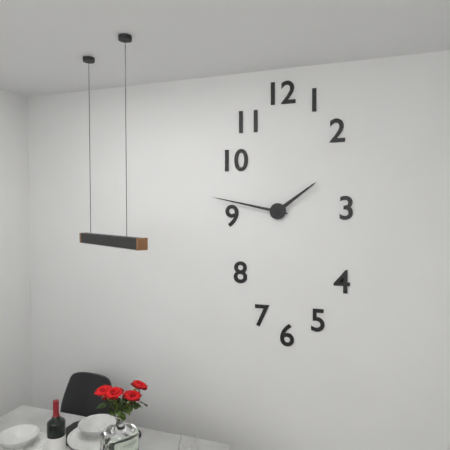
1:47
